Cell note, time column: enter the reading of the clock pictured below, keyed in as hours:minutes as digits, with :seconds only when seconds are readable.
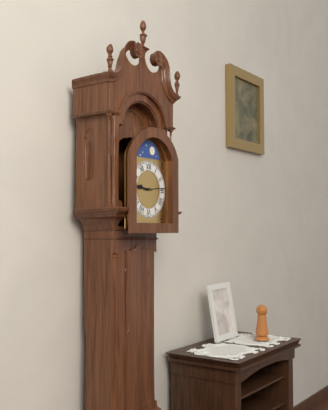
9:14
